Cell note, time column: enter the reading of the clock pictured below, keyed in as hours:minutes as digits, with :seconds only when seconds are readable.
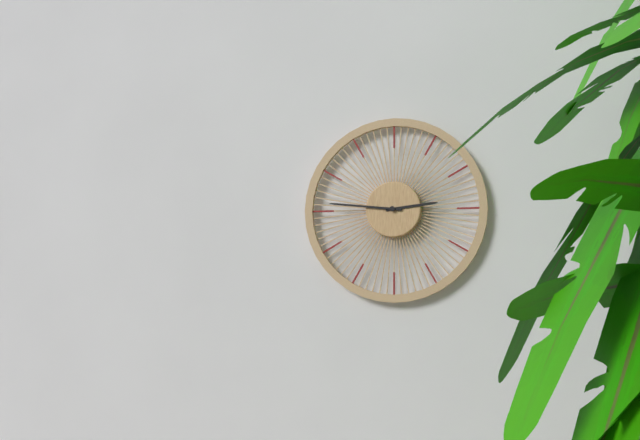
2:46
